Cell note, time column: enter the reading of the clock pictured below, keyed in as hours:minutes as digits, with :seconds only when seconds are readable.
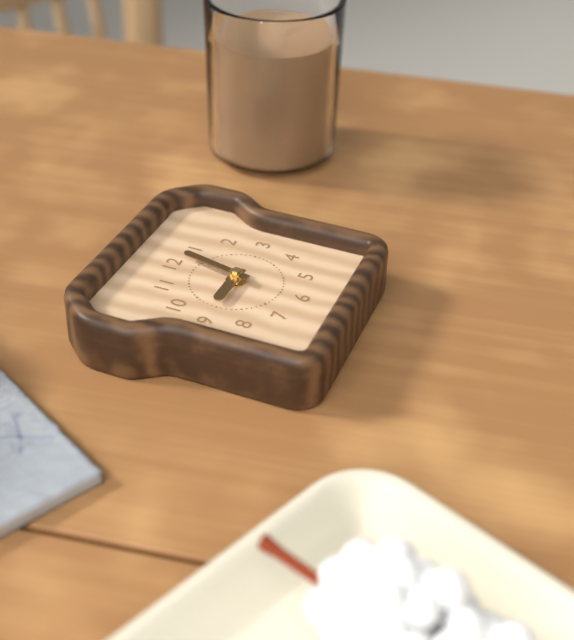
9:02
